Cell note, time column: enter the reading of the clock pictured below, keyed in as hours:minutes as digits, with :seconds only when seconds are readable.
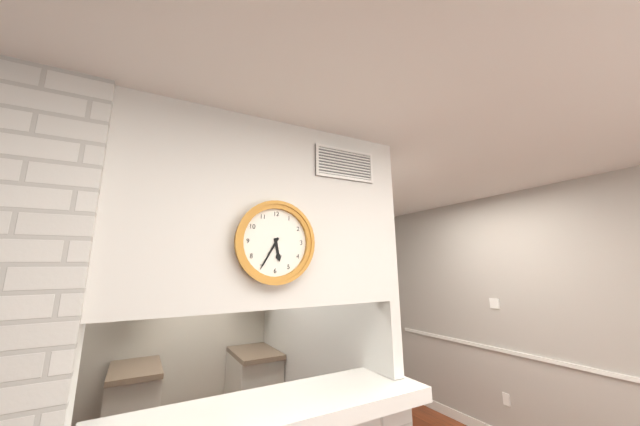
5:35
